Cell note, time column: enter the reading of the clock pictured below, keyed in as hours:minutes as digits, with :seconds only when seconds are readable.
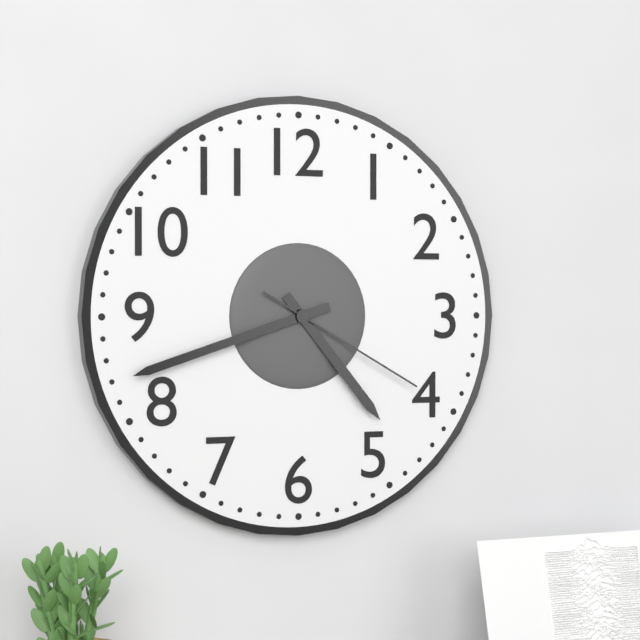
4:42:20
